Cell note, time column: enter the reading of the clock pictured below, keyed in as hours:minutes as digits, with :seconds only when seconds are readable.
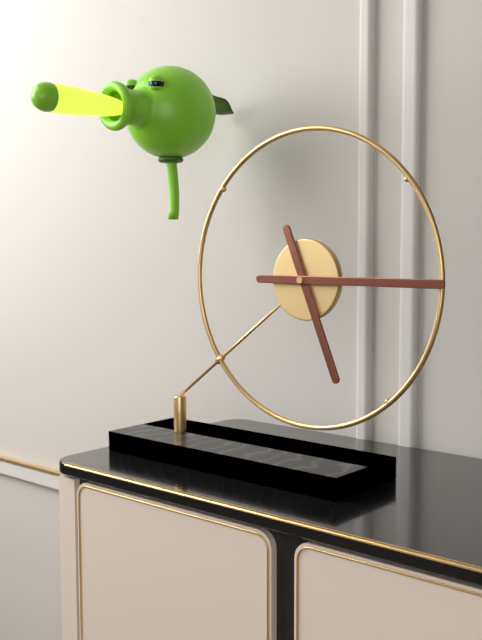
5:15
